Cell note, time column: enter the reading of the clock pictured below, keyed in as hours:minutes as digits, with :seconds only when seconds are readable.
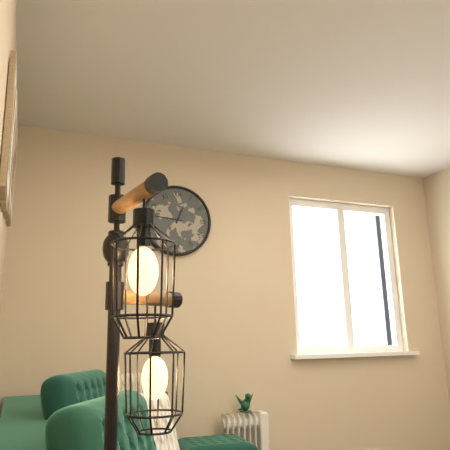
12:46
